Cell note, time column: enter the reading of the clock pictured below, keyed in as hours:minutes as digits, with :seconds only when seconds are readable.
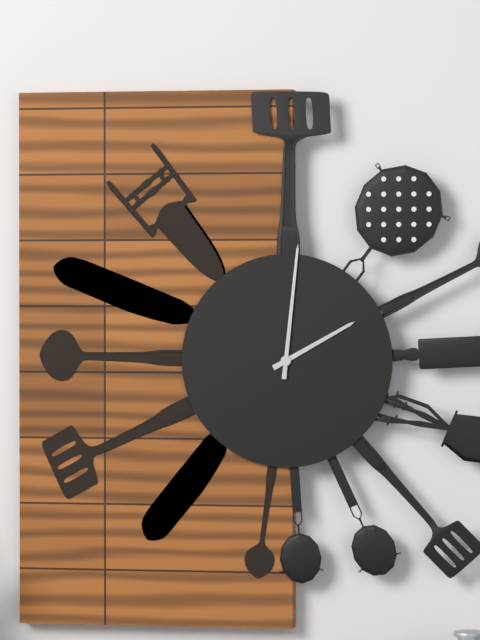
2:01
